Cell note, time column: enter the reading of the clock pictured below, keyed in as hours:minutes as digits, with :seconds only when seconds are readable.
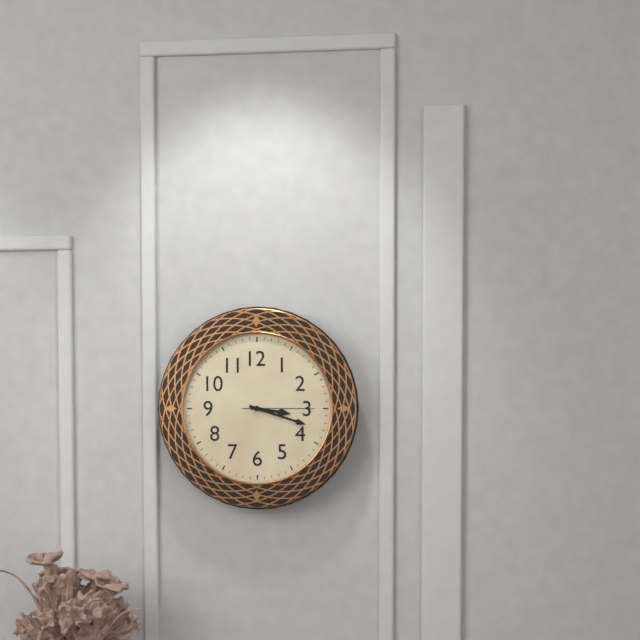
3:18:15
